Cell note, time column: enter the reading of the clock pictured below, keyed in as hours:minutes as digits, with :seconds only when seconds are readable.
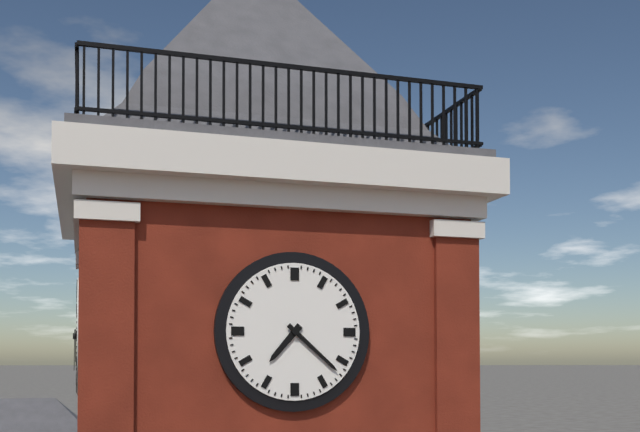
7:22
